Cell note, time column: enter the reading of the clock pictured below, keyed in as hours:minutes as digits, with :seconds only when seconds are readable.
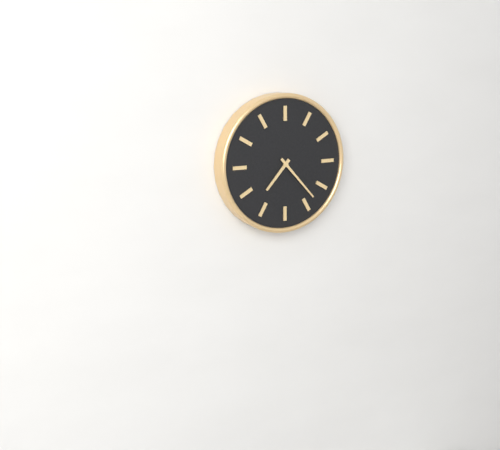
7:23
